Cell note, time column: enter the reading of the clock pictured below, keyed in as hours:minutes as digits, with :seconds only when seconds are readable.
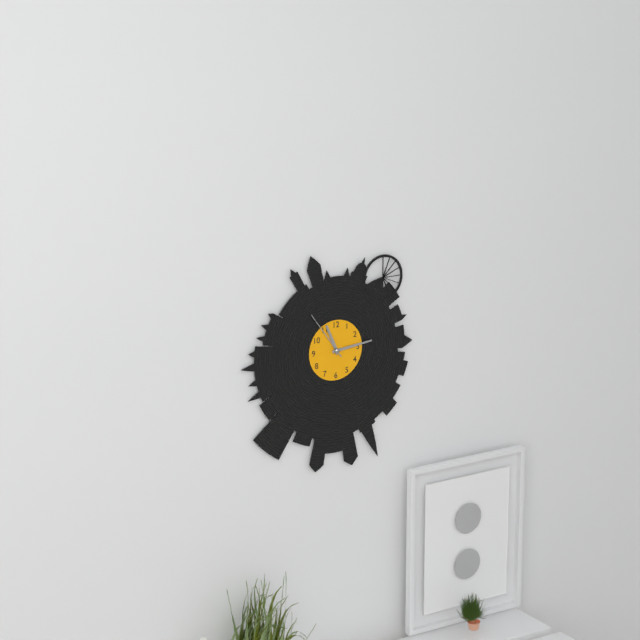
11:14:54
